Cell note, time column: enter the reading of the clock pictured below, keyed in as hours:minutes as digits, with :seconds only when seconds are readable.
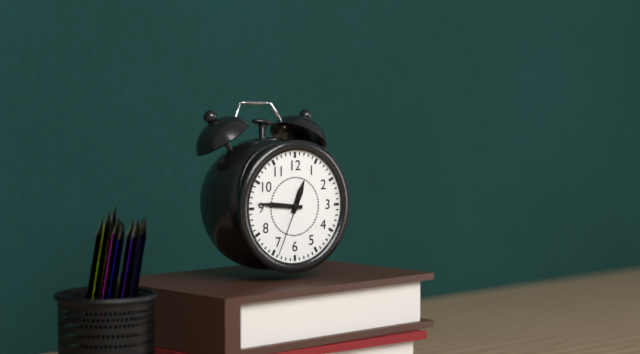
12:46:34
